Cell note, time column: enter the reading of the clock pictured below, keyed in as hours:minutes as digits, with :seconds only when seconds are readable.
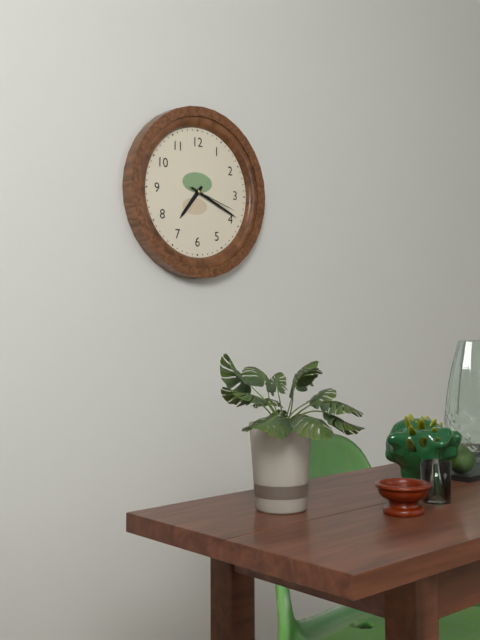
7:19:18
